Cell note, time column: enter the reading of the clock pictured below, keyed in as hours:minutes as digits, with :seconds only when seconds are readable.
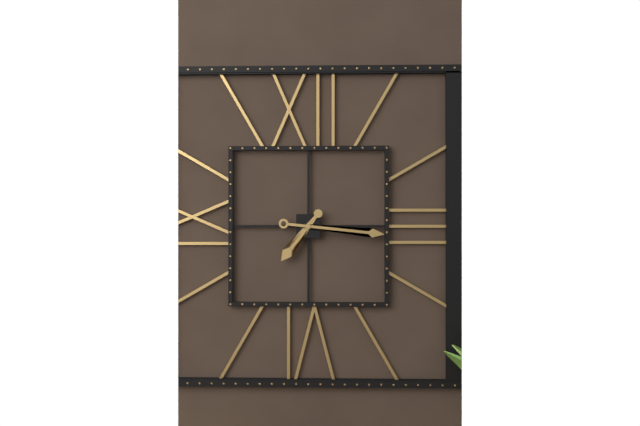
7:16
